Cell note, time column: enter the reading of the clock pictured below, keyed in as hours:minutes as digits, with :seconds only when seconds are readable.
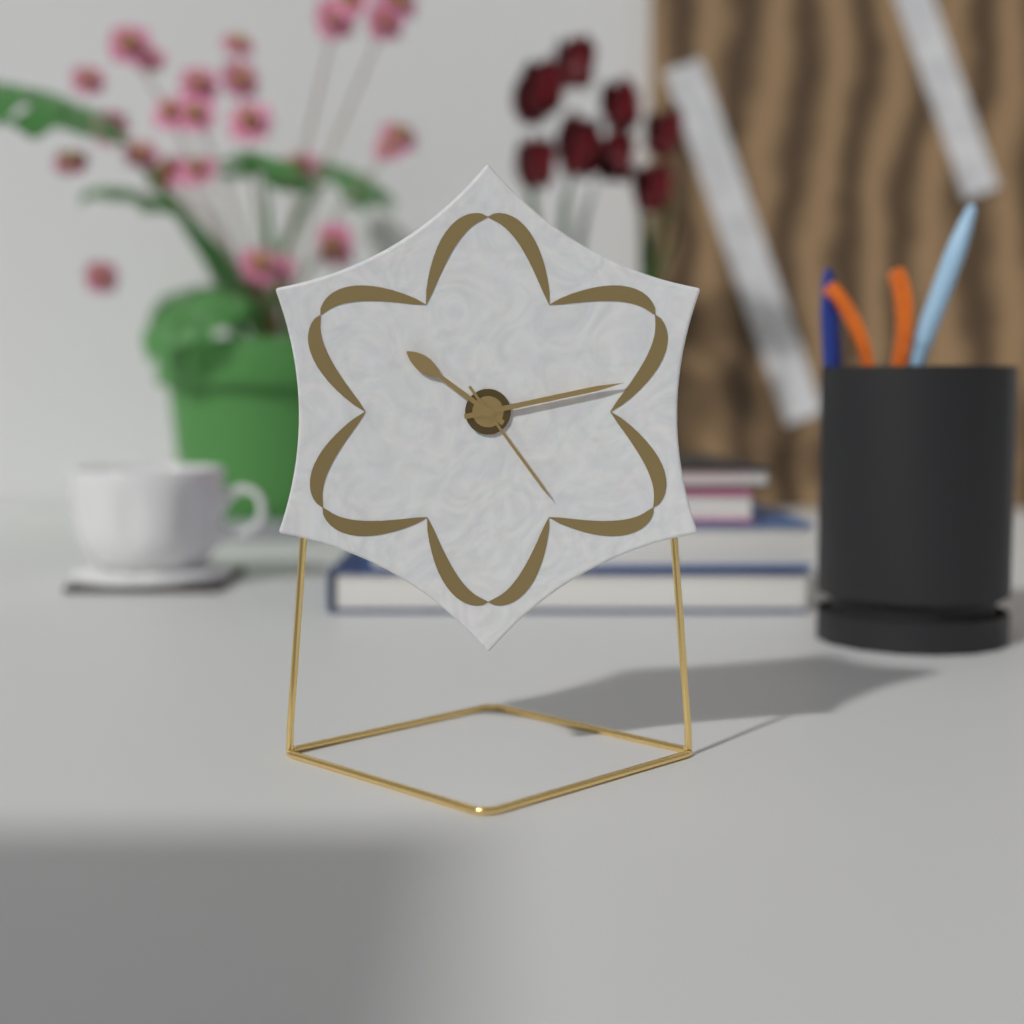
10:13:24
